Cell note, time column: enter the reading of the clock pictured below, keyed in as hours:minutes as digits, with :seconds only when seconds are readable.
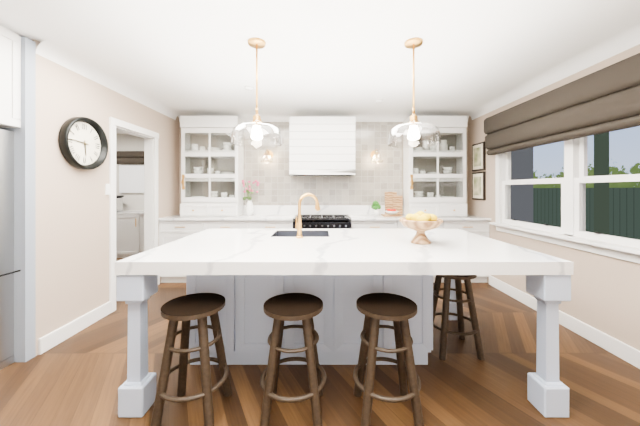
5:46
